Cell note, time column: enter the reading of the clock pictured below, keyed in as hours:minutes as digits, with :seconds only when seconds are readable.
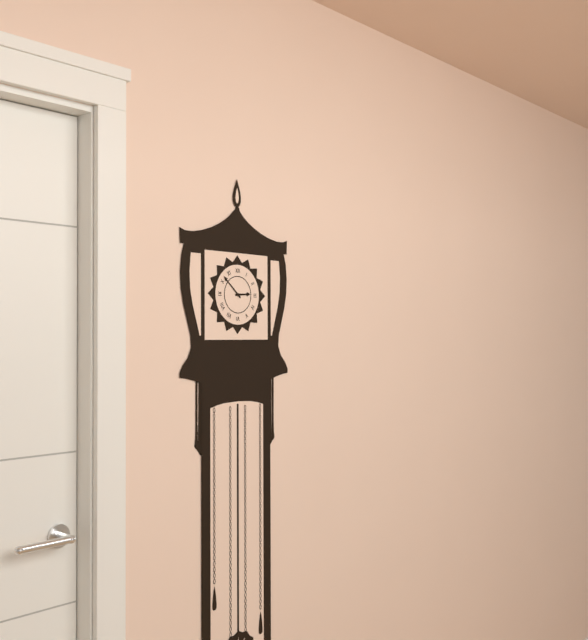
2:52
